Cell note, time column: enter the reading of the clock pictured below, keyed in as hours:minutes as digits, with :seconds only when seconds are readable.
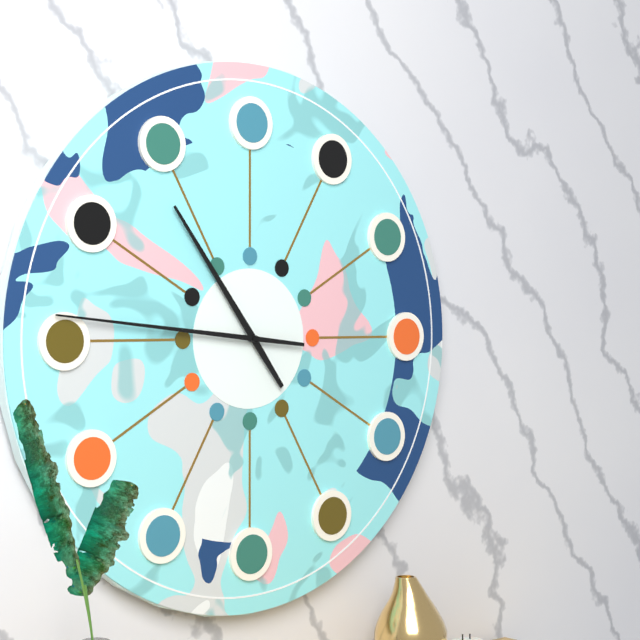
10:46
